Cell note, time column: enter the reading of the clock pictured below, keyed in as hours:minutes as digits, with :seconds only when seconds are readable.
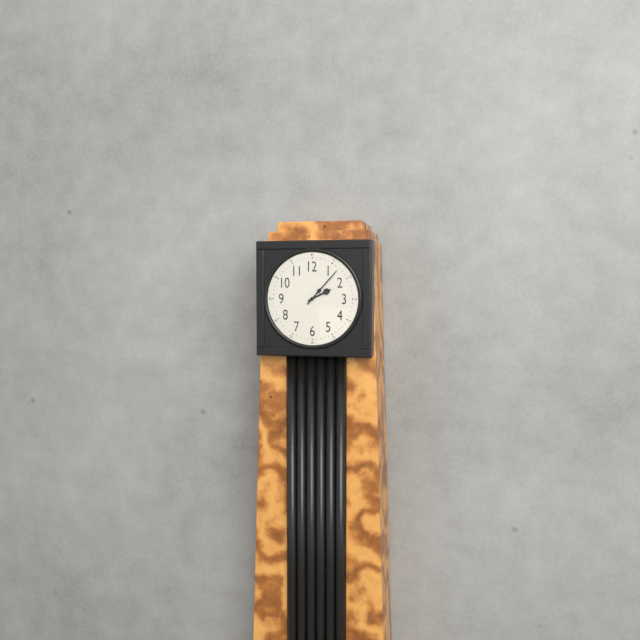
2:07
